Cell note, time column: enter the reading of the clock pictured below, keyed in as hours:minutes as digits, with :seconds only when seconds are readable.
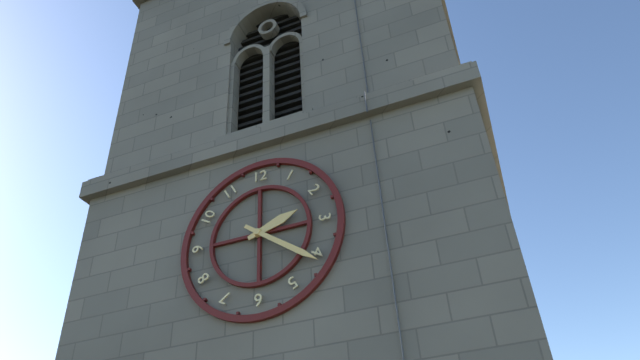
2:21
